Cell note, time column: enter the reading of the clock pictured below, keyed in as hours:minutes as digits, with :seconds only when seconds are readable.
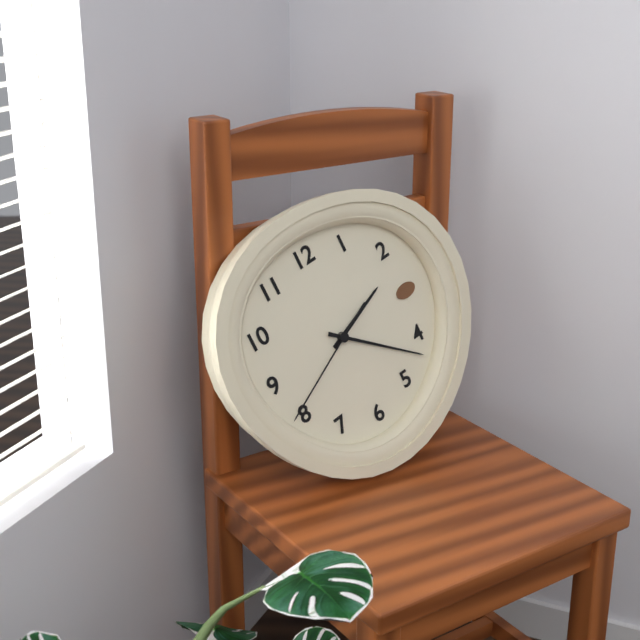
2:22:41
